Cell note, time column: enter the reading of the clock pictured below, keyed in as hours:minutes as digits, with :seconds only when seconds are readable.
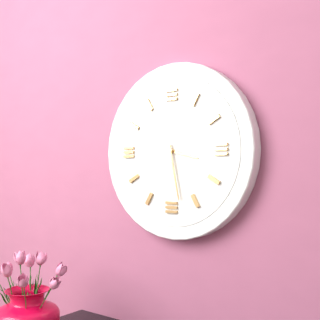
3:28
